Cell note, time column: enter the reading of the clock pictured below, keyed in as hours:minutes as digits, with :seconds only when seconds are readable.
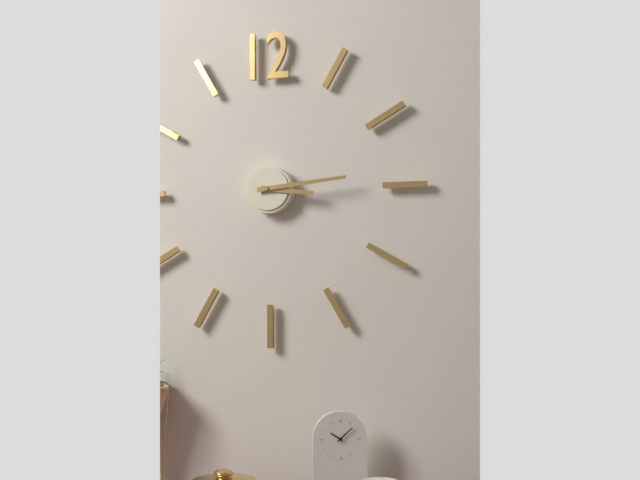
3:14
